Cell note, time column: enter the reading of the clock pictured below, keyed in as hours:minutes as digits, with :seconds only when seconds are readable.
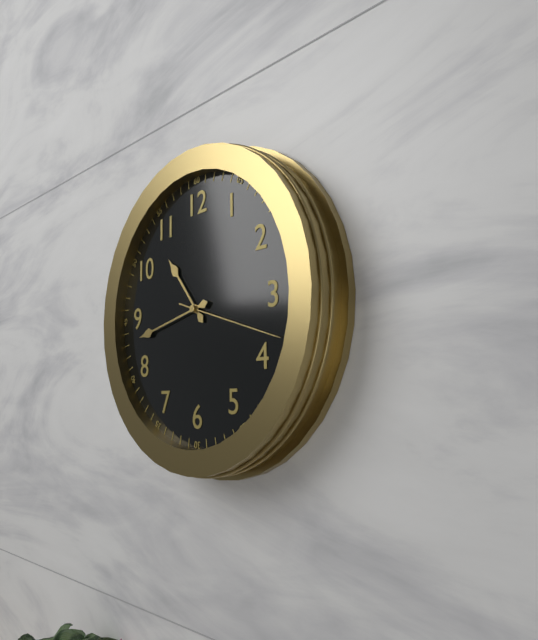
10:43:18
